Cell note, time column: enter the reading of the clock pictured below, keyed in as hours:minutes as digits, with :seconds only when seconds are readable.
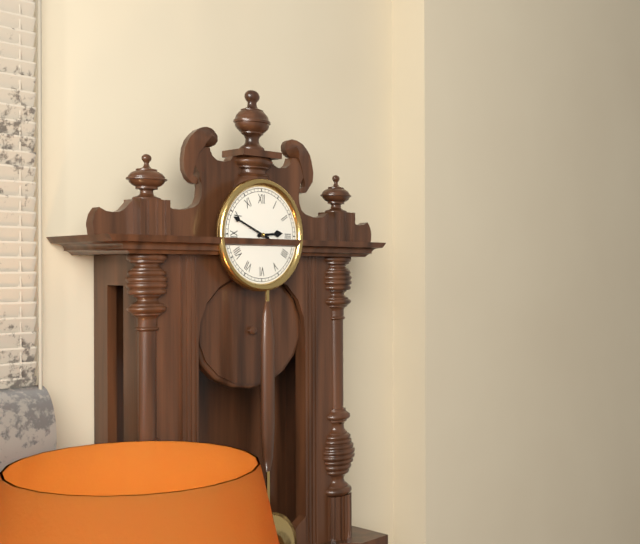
2:49
